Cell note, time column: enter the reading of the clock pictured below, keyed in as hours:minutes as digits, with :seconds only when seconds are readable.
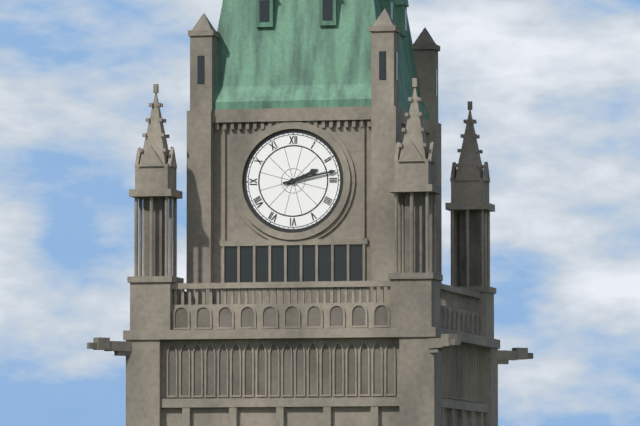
2:13
